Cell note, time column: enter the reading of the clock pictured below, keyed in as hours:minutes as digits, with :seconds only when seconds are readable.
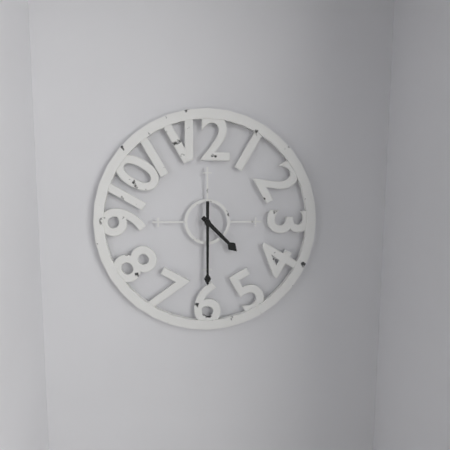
4:30
